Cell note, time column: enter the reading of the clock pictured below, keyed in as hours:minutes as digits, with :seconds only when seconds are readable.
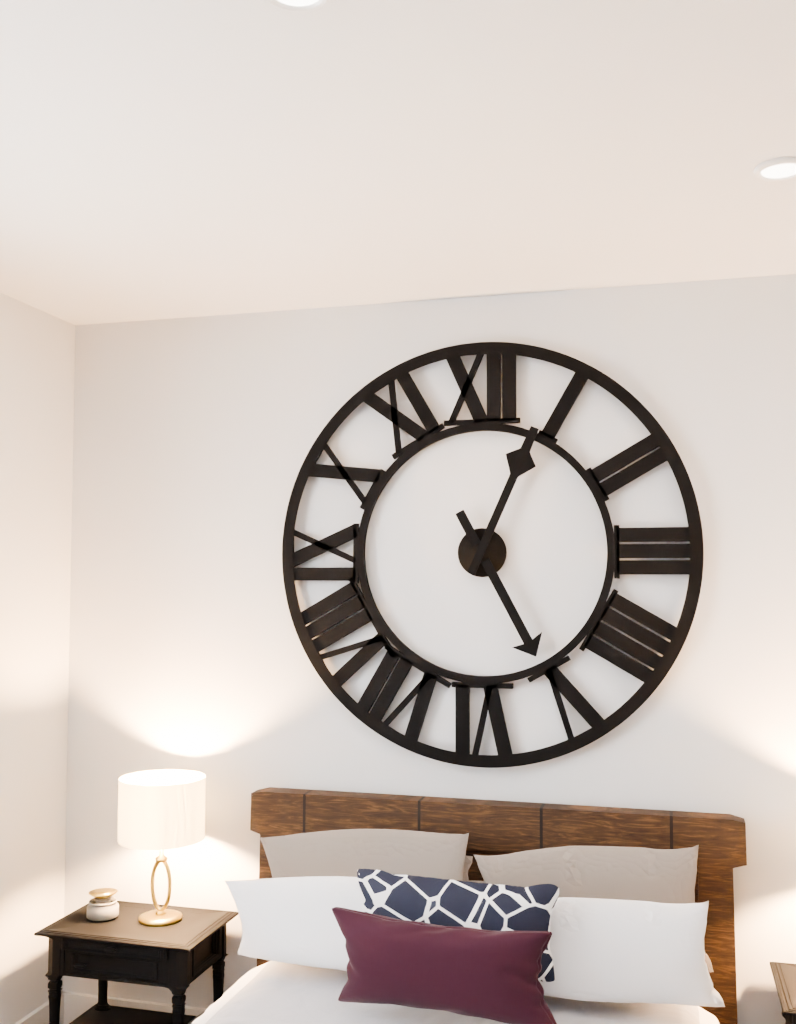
5:04
